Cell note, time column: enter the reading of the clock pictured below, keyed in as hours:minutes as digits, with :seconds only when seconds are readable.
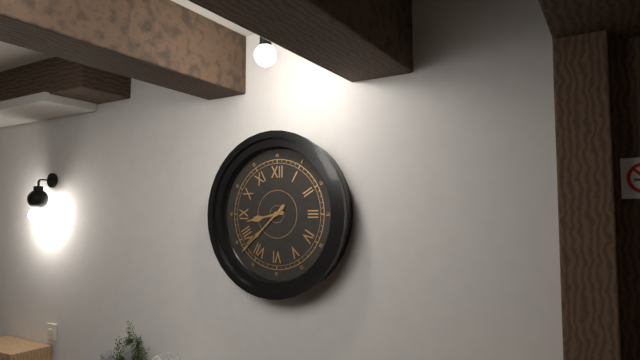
8:38
